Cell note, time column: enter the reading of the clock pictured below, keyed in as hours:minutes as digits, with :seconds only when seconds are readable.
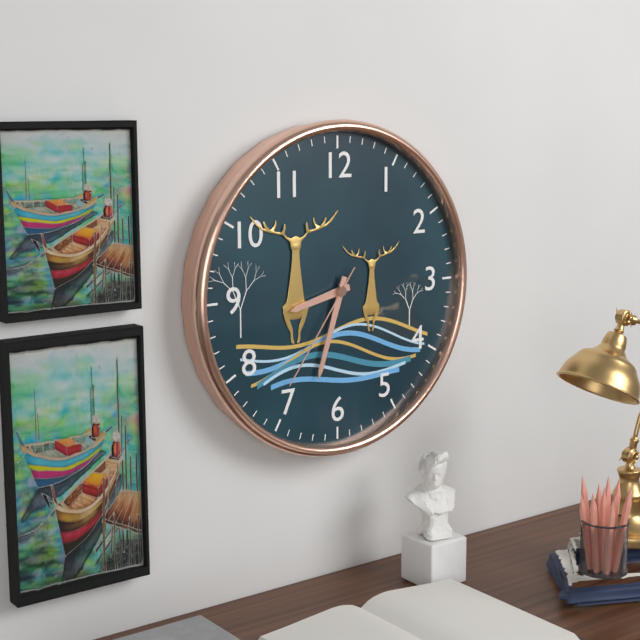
8:33:36
